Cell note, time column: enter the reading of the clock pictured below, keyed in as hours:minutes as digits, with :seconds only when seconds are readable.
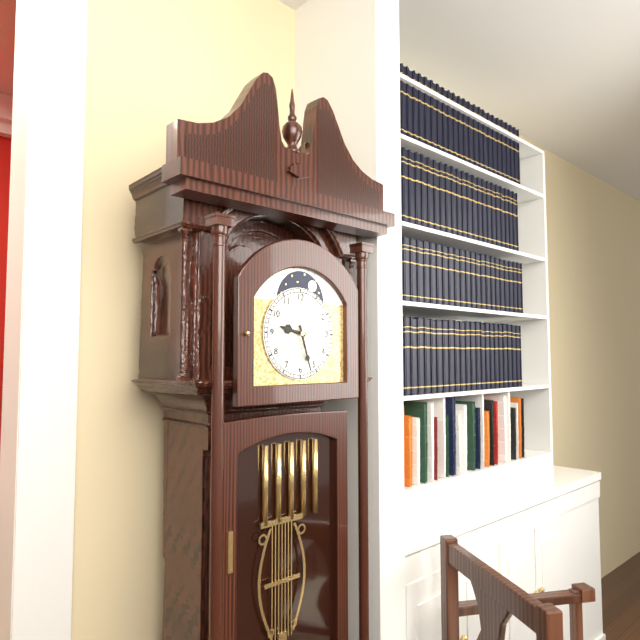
9:27
